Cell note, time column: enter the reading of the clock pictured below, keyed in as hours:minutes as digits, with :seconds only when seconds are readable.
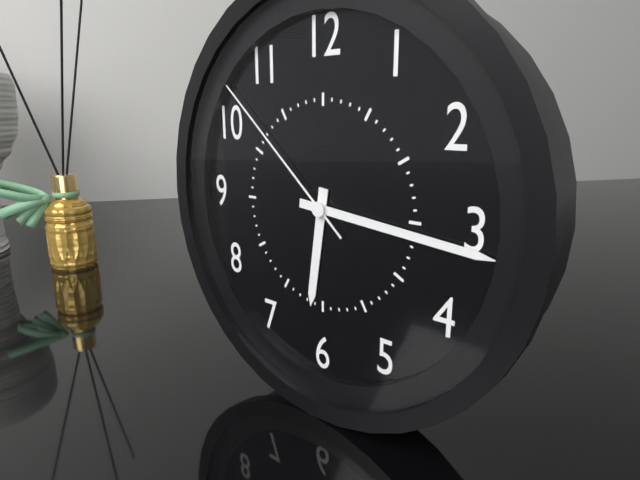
6:16:52
